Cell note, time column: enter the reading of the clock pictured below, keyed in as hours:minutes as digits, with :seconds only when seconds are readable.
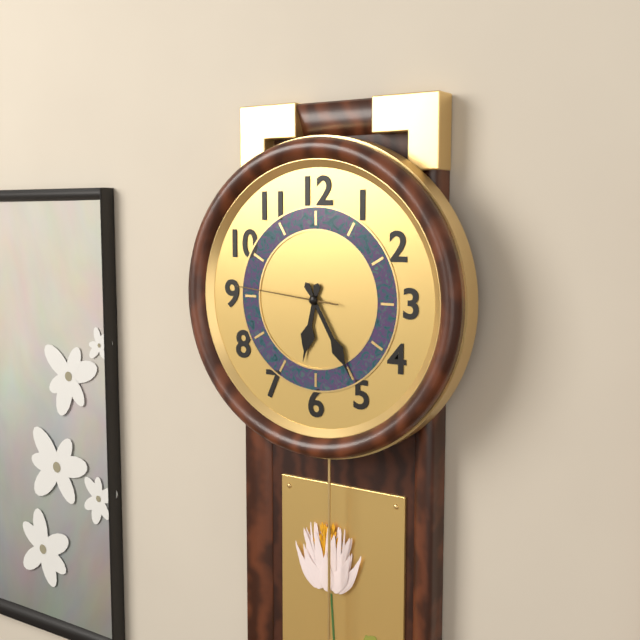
6:25:46
